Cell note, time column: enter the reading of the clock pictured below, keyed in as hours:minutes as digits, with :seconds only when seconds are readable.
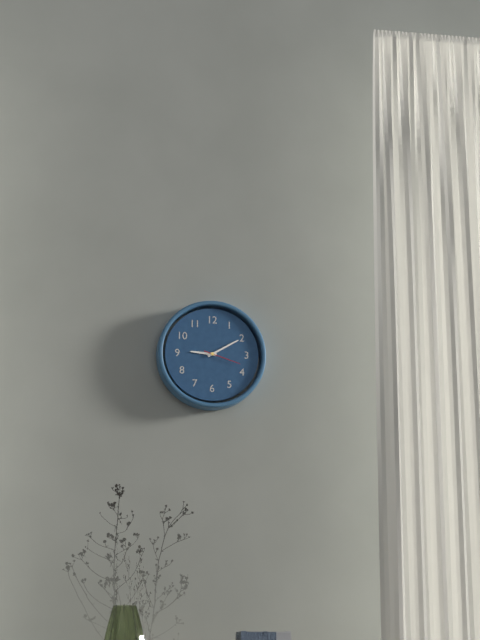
9:10
